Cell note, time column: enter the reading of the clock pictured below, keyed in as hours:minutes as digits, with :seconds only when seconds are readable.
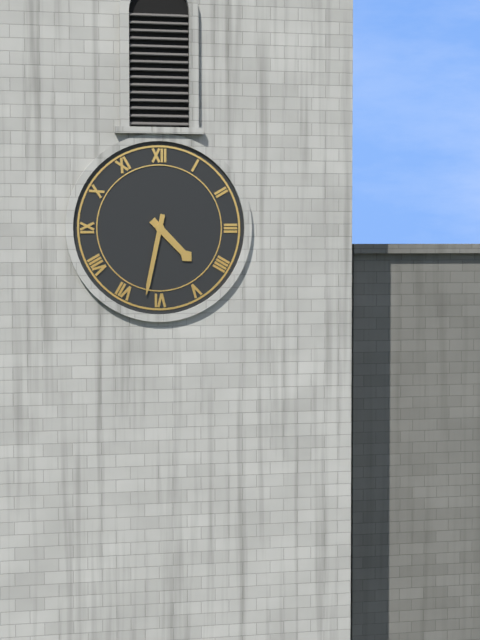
4:32
